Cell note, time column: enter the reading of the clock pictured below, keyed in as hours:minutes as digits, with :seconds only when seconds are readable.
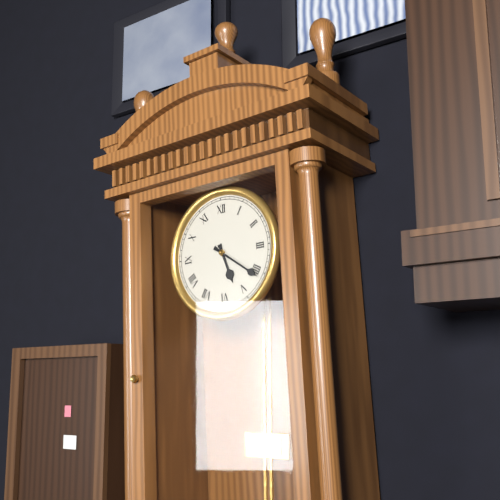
5:21
